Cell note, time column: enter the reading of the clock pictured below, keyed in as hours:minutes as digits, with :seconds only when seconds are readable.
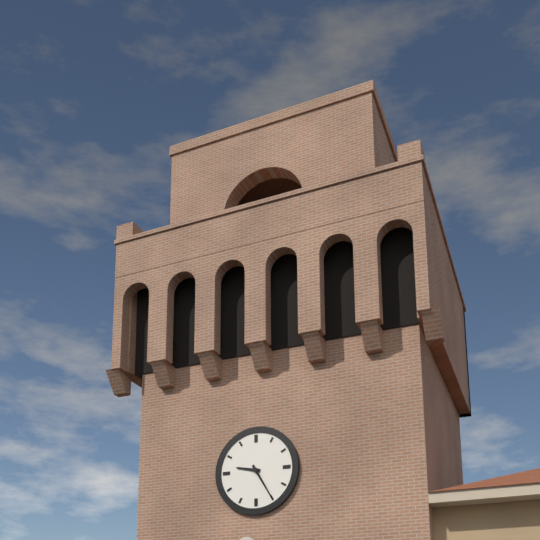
9:25
